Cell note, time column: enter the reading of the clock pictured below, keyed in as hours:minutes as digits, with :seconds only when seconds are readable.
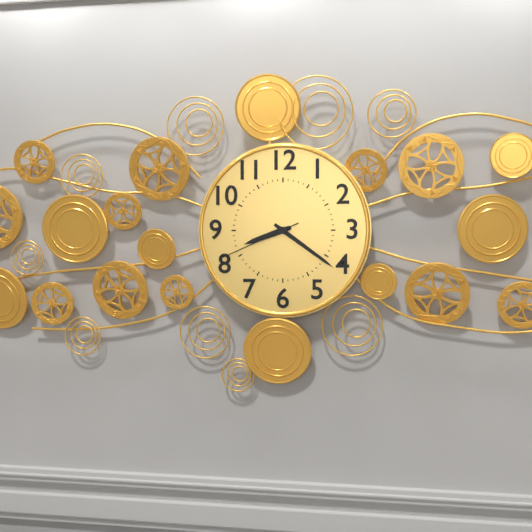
8:21:41
